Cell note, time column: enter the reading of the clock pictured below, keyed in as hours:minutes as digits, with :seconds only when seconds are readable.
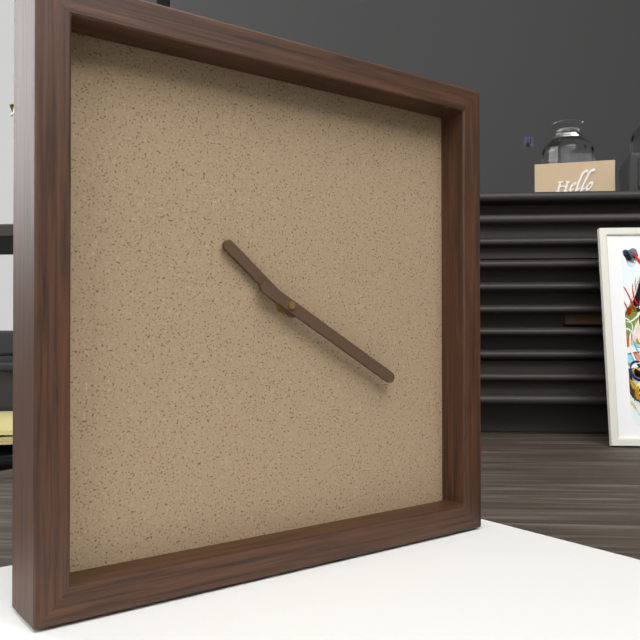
10:20
